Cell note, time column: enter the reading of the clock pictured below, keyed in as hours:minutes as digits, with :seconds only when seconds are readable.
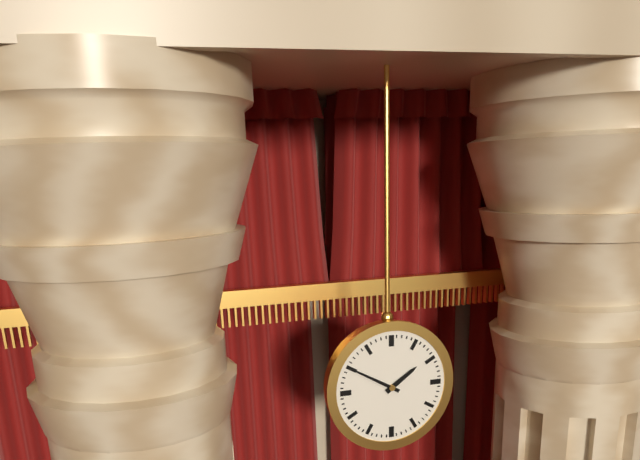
1:50
